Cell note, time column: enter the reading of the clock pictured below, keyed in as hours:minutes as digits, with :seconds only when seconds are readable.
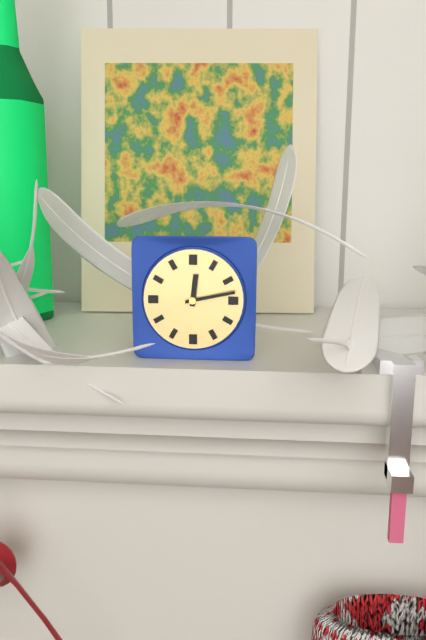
12:13
